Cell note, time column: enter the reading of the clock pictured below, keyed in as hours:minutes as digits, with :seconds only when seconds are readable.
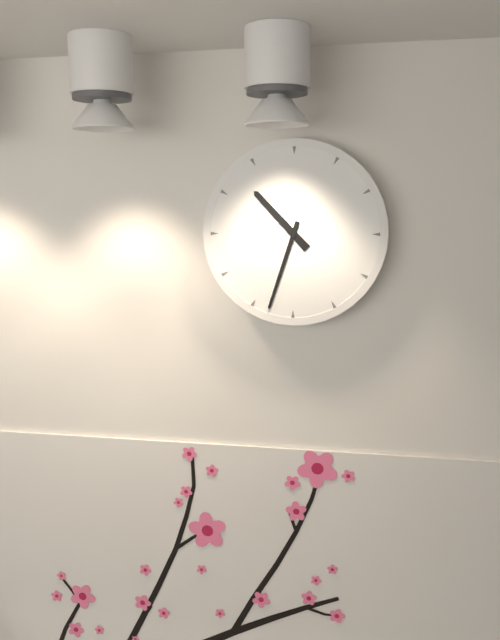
10:33
